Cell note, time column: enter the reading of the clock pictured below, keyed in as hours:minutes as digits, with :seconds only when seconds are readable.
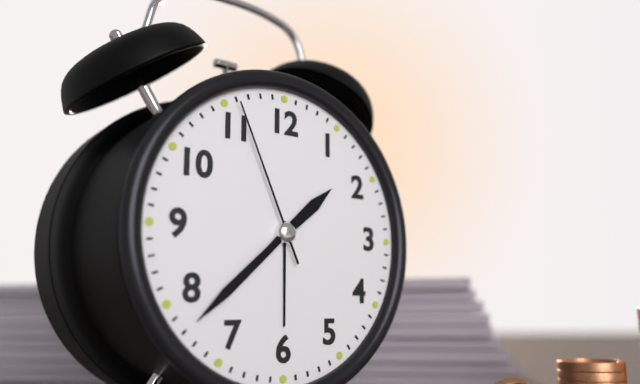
1:38:56
